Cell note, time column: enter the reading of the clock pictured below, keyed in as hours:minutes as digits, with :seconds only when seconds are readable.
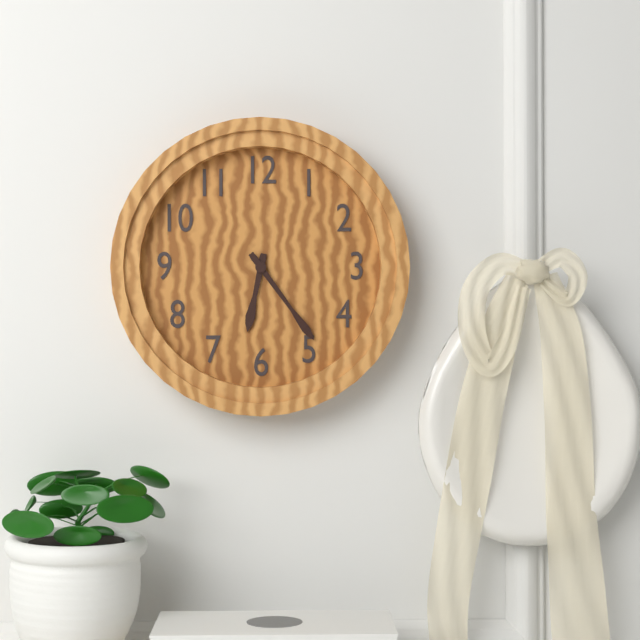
6:24
